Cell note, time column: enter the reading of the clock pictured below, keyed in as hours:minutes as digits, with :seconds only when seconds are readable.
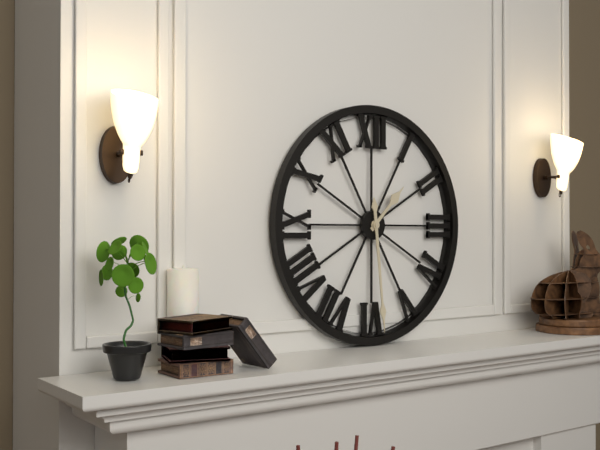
1:29
